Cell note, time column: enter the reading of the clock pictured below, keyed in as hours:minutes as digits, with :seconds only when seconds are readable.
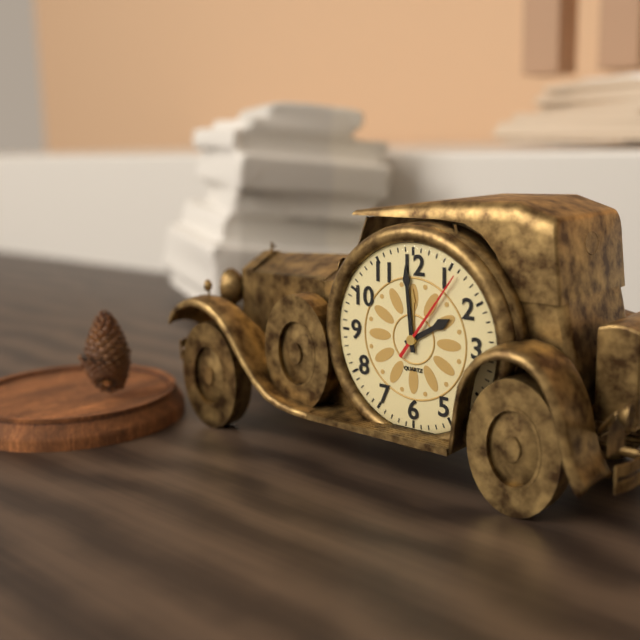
1:59:06
